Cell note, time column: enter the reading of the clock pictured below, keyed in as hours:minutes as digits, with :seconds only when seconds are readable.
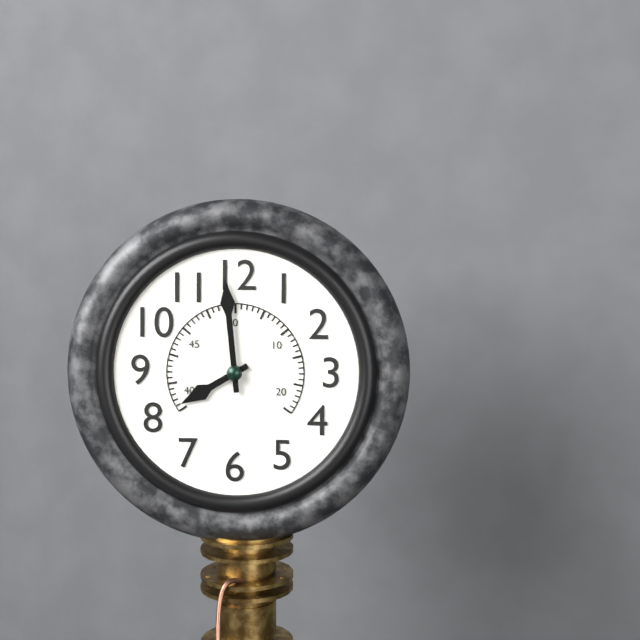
7:59
